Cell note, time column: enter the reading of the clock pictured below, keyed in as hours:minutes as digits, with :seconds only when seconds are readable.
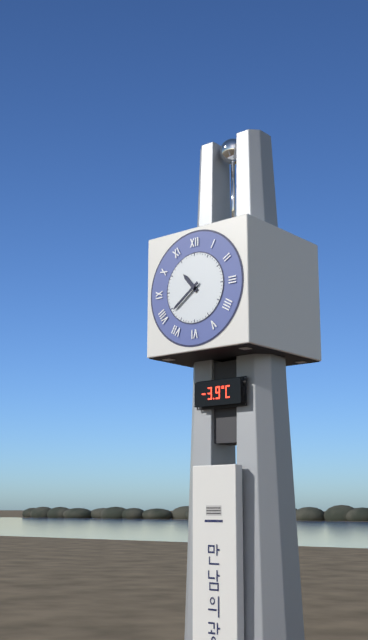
10:39
